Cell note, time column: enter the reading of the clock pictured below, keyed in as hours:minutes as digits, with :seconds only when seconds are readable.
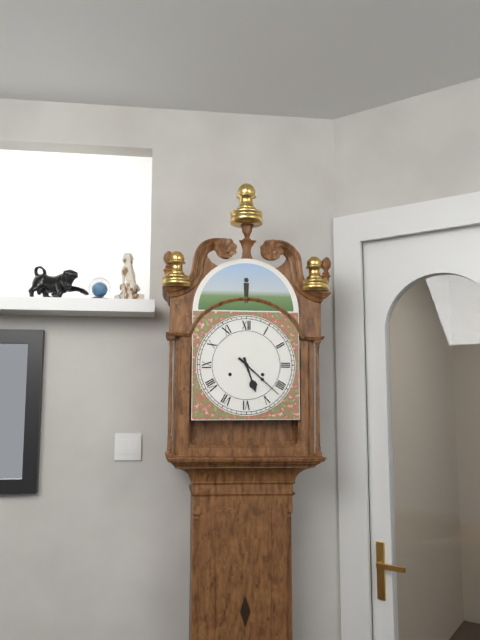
5:22
